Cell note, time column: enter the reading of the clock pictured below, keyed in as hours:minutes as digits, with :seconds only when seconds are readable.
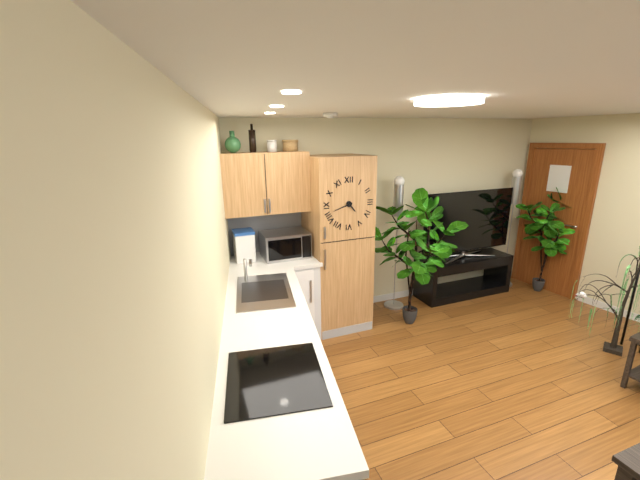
4:42
